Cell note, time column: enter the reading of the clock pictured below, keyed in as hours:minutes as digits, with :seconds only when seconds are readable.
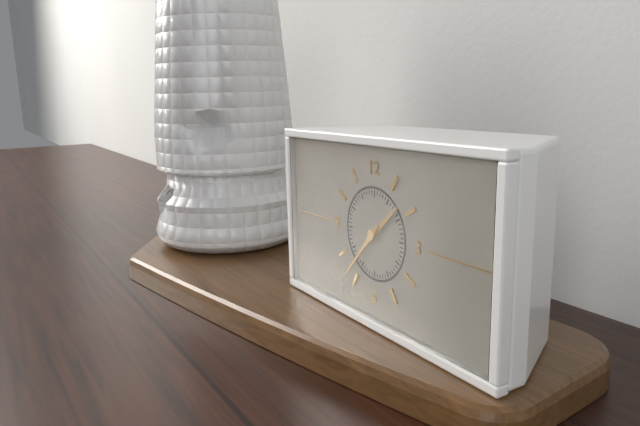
1:37
